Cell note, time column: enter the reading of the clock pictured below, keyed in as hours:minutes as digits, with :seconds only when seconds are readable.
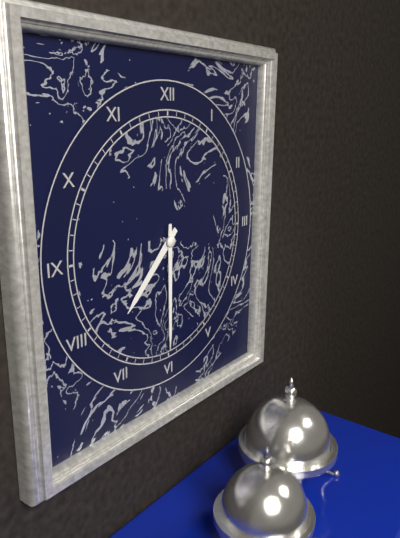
7:30
